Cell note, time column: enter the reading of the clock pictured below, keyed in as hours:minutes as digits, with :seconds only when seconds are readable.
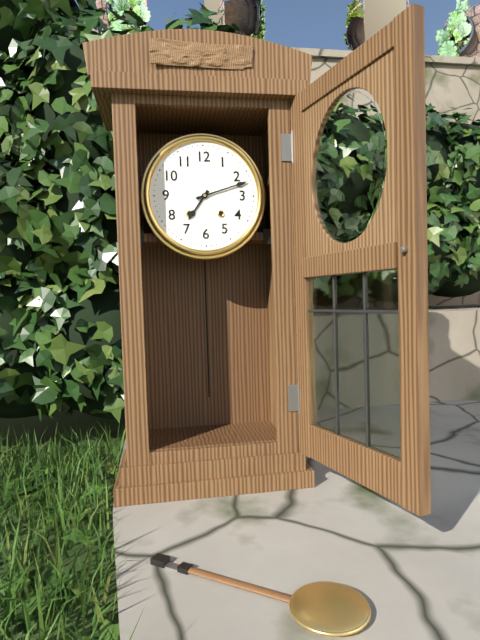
7:12
